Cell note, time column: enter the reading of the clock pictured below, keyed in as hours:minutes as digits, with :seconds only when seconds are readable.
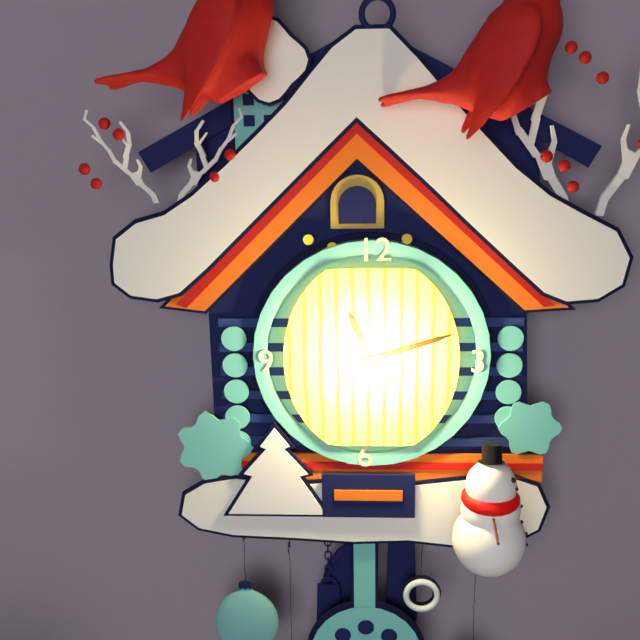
11:12
